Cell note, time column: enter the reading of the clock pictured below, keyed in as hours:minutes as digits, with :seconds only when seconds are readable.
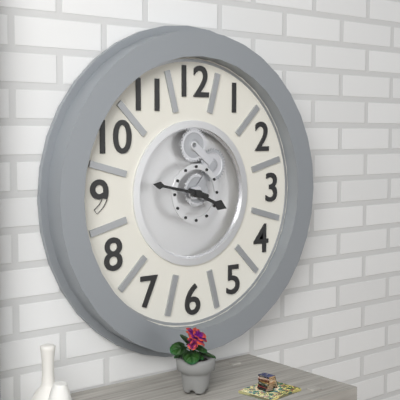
3:47
